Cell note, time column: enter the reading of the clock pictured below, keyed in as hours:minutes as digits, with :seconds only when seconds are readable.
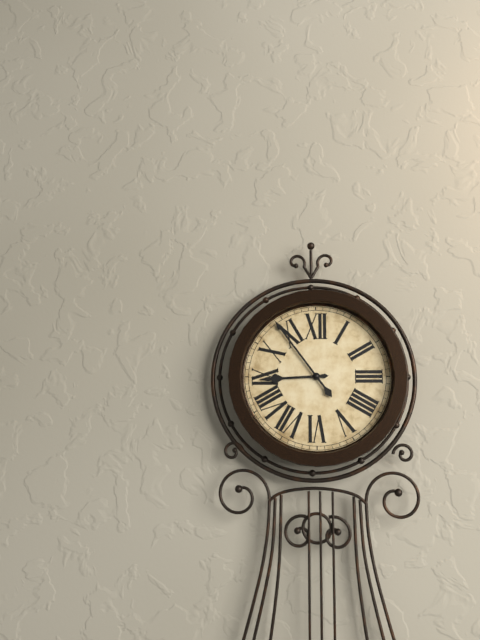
8:54
